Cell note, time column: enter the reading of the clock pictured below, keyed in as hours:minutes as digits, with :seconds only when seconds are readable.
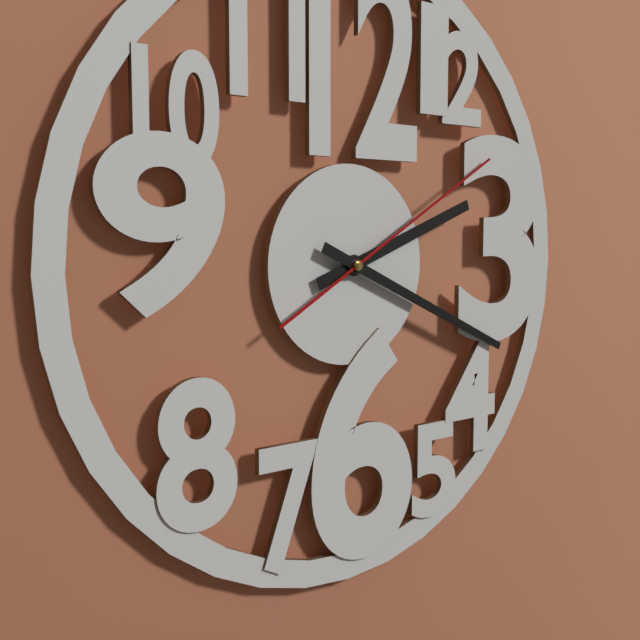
2:19:10
